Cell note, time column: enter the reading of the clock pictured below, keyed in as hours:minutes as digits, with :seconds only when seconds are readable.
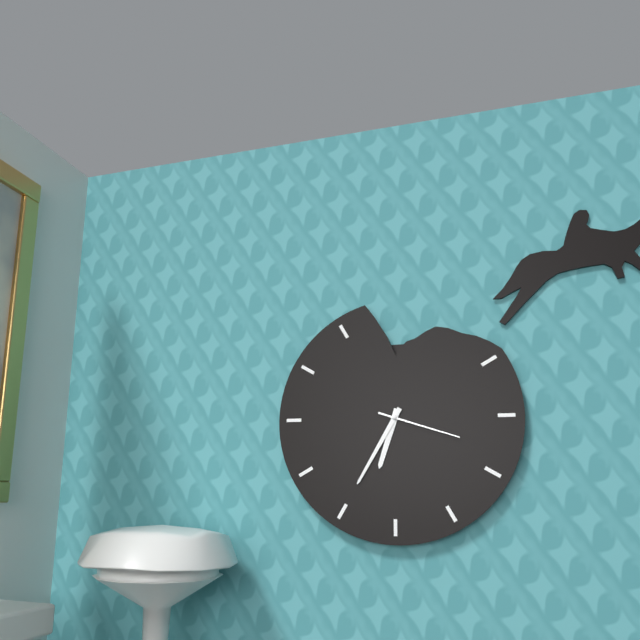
6:35:18
